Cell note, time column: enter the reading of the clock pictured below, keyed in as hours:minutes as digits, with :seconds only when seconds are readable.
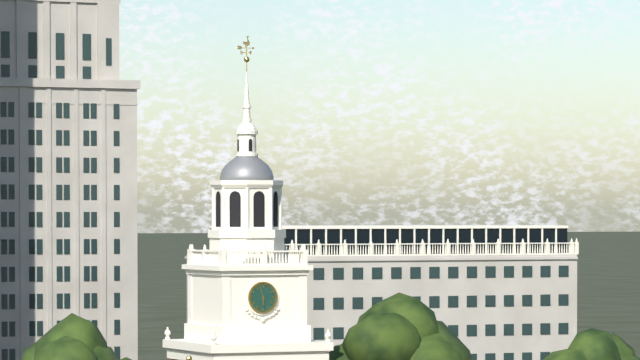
5:57
